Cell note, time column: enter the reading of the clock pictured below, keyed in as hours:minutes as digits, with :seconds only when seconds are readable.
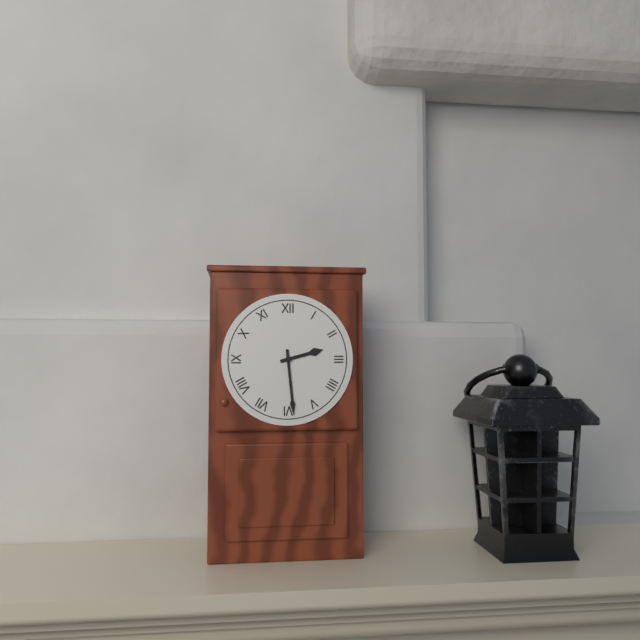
2:29
